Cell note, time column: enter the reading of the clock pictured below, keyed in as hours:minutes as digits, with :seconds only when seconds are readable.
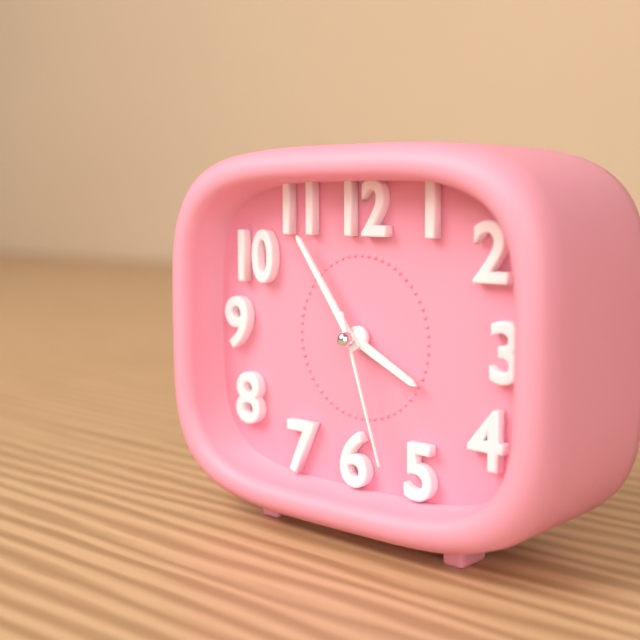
3:54:27
